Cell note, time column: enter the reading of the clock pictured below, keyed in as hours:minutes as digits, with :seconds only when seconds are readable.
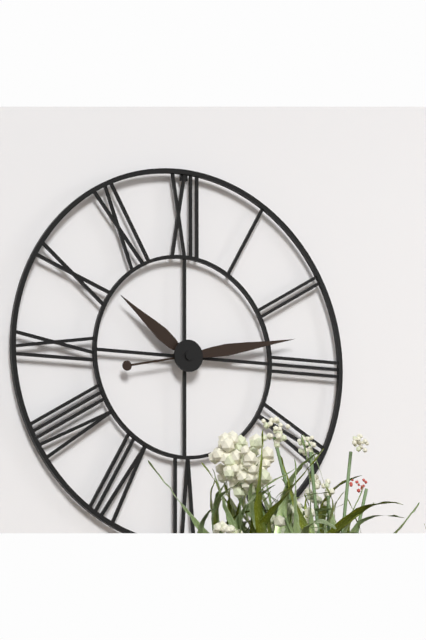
10:13
